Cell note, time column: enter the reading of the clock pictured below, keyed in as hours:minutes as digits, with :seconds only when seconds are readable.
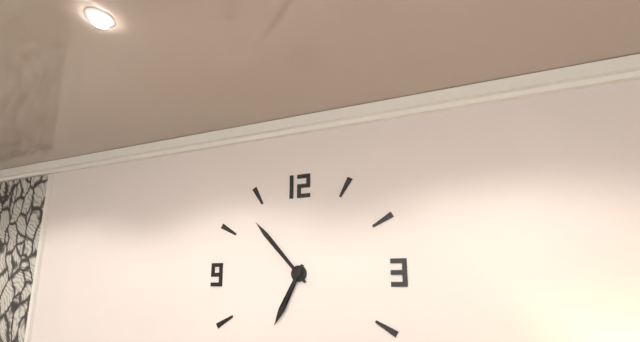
6:53
